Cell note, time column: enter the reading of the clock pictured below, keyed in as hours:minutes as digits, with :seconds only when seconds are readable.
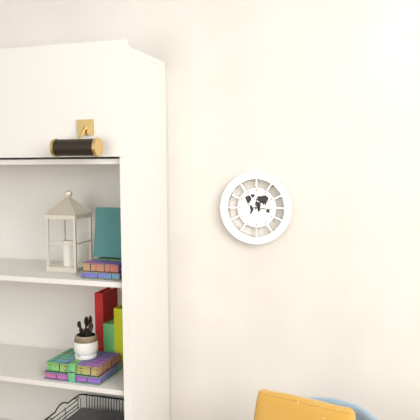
1:16
